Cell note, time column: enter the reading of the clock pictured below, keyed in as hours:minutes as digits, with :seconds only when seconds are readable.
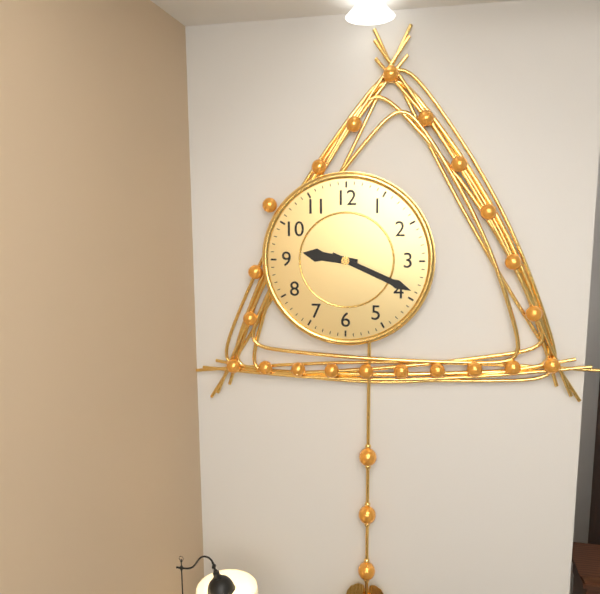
9:19
